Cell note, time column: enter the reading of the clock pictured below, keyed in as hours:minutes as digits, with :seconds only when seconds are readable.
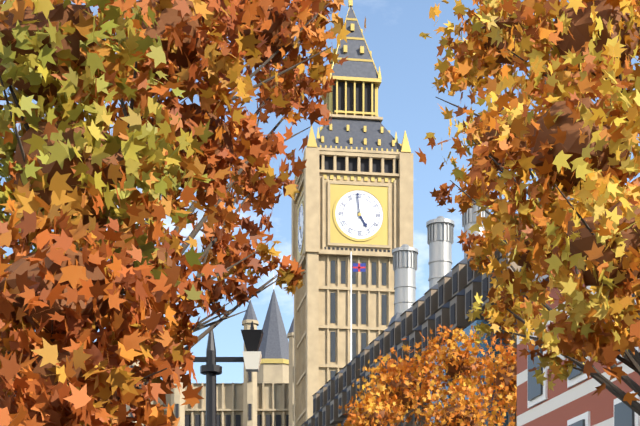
4:59
